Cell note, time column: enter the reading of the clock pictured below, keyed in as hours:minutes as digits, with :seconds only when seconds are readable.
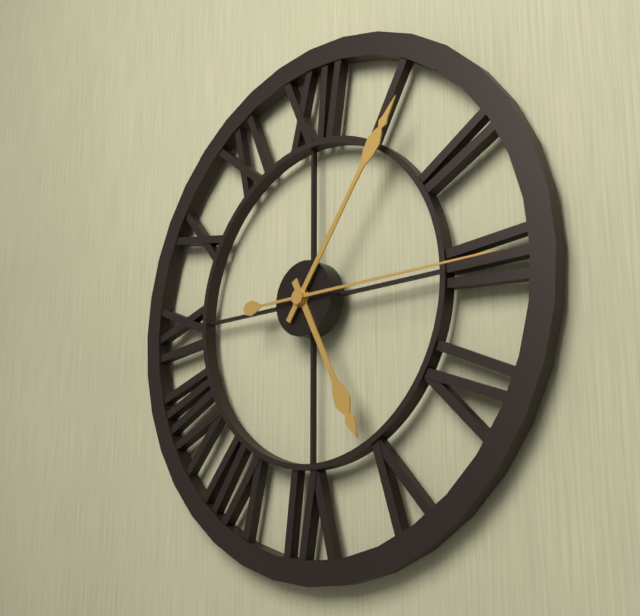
5:06:15
